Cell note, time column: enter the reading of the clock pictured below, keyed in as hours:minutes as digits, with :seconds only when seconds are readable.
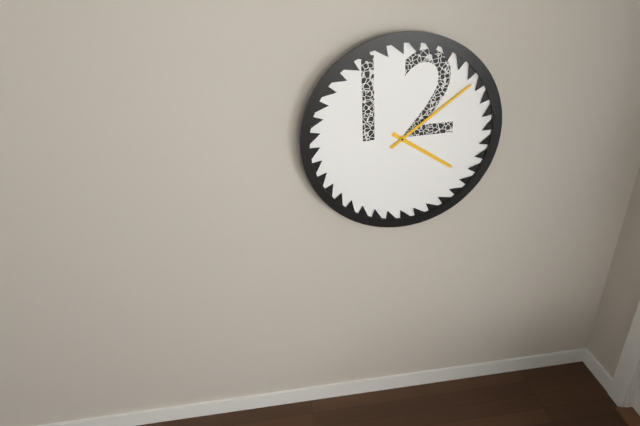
4:09
